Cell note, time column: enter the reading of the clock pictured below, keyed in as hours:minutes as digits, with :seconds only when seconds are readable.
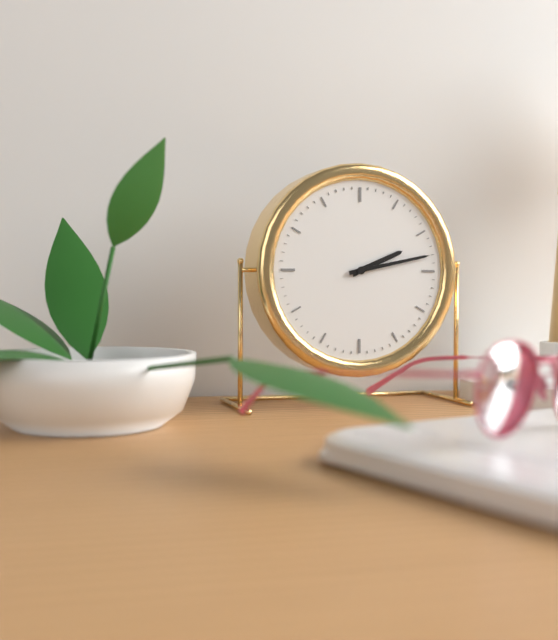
2:13
